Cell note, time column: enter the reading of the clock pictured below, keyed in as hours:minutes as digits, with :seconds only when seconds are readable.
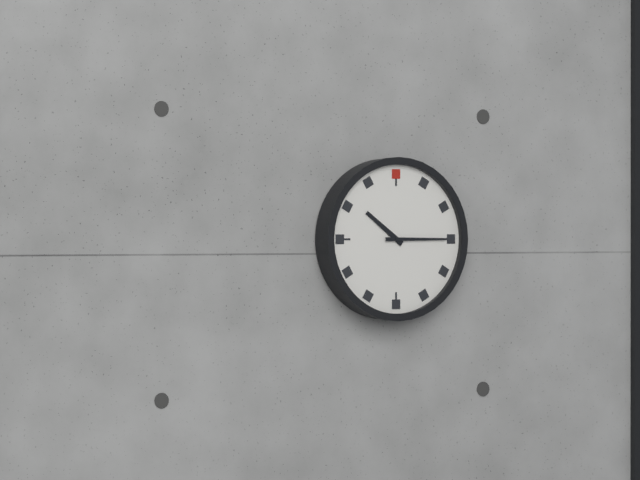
10:15
